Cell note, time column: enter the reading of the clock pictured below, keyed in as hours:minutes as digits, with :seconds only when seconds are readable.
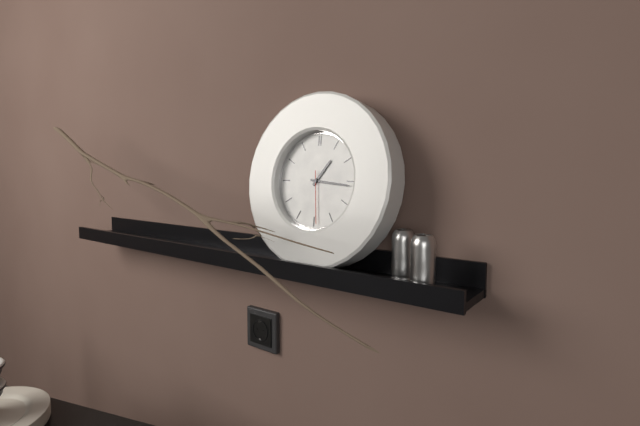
1:16:29
